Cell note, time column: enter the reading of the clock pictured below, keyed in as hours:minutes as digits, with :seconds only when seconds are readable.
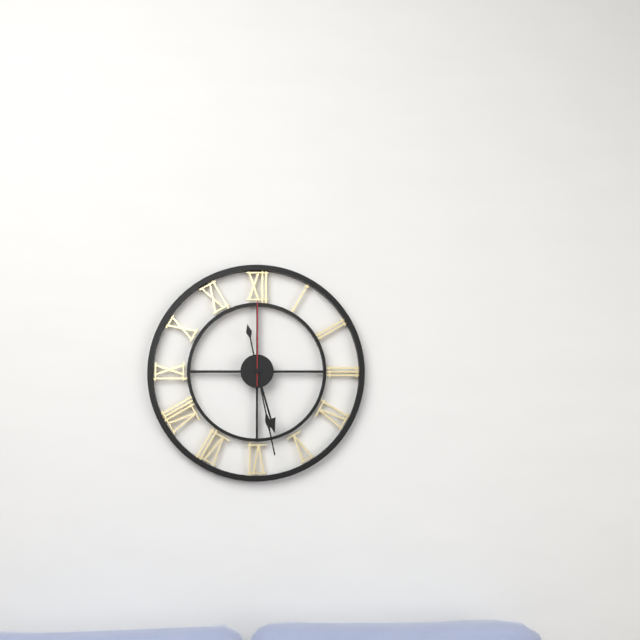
5:28:00
